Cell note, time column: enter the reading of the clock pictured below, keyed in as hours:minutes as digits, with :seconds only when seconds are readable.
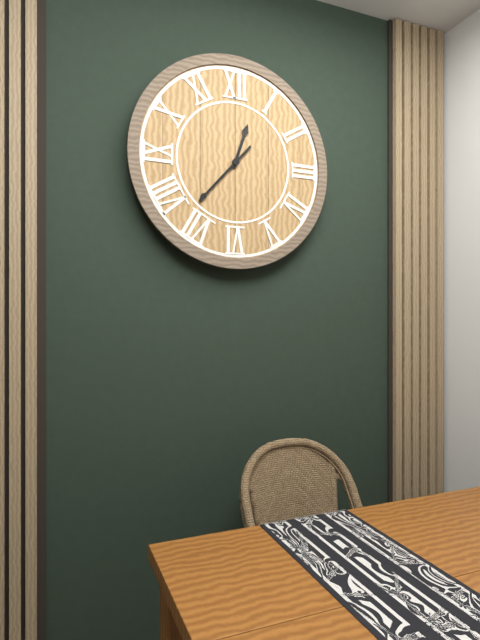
12:37
